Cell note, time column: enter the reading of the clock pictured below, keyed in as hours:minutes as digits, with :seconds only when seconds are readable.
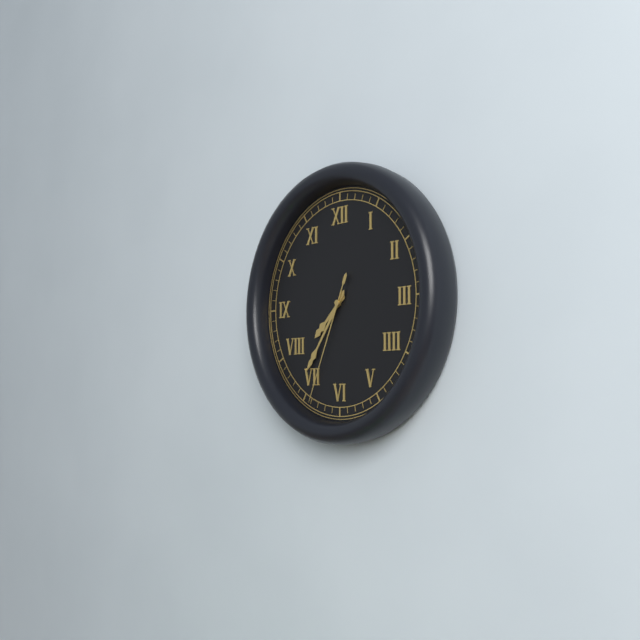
7:36:34
